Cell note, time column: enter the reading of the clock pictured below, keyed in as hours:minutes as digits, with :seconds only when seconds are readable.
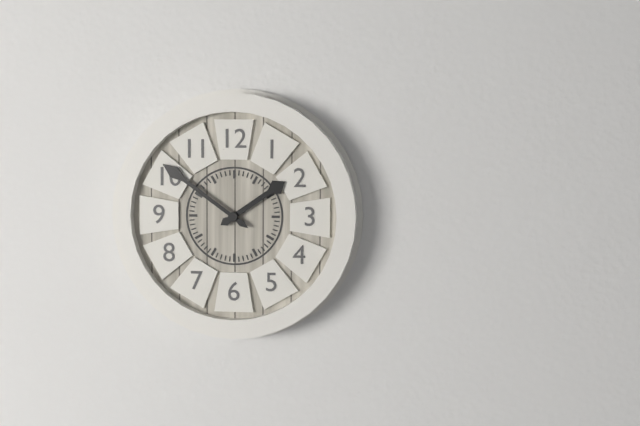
1:51
